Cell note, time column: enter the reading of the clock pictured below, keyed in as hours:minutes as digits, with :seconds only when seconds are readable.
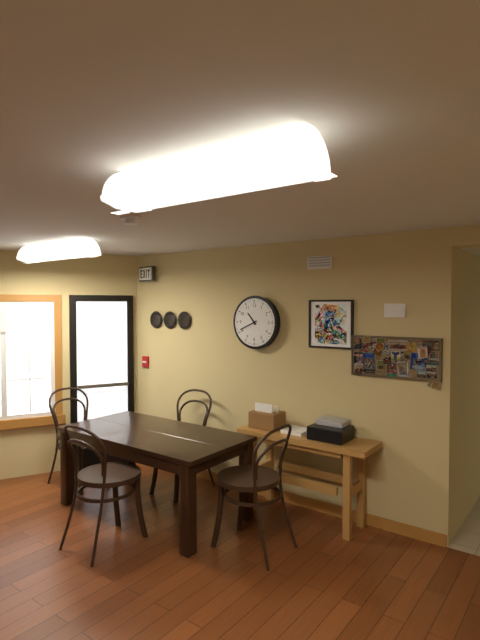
10:41
